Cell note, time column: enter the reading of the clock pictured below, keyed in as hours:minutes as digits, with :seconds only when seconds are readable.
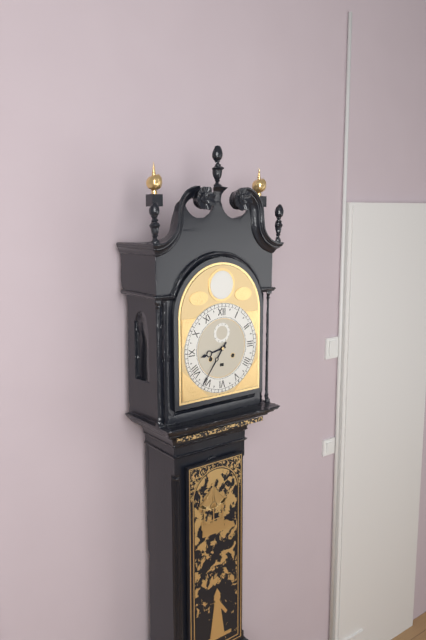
8:36
